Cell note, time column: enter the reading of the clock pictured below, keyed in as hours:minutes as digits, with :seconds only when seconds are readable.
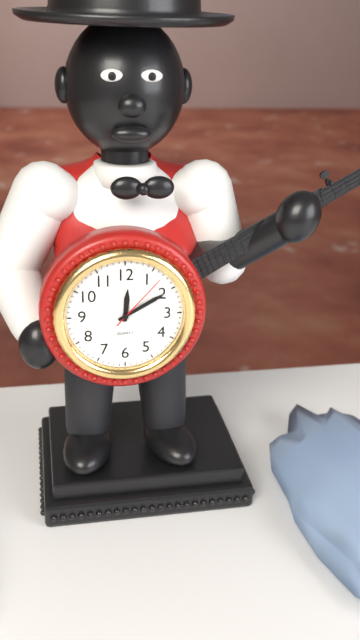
12:10:07
